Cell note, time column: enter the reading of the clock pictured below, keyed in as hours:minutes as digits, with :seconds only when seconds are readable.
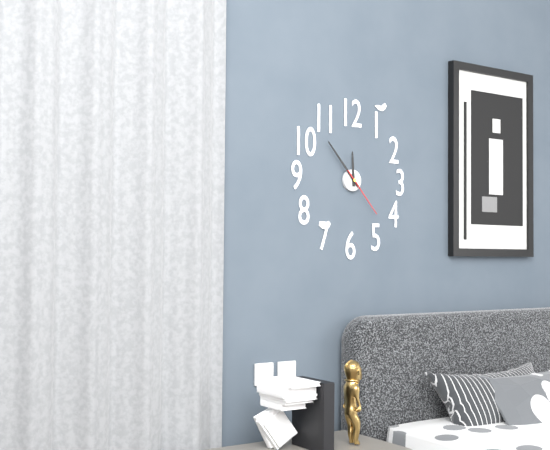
11:53:23
